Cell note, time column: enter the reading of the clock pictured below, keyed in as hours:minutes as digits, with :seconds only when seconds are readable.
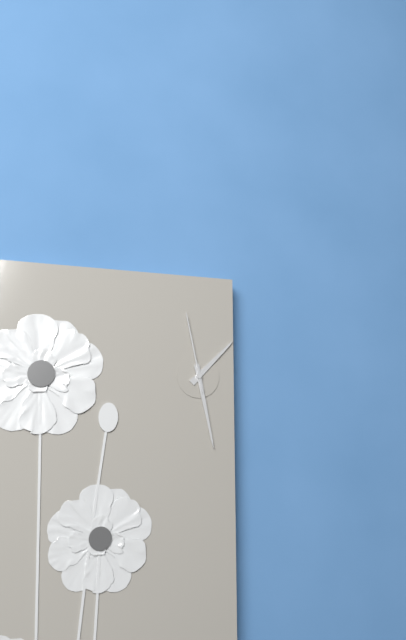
1:28:58
